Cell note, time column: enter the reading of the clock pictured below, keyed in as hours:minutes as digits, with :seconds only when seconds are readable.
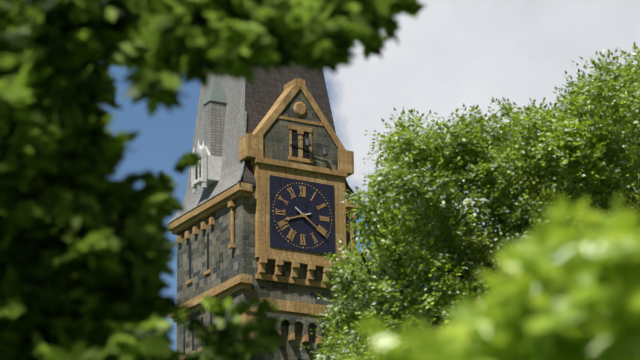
8:21
